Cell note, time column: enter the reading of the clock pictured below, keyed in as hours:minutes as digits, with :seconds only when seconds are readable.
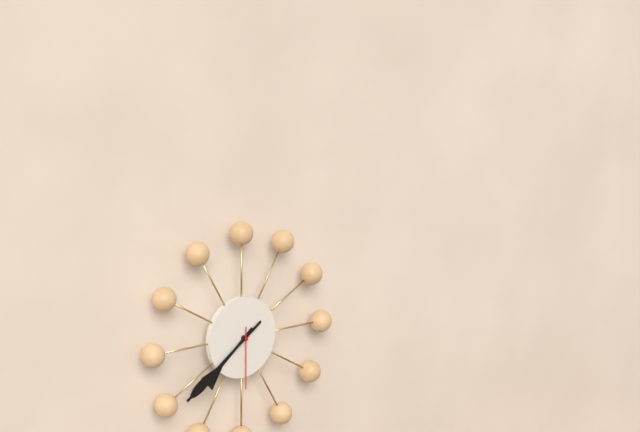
7:39:30
